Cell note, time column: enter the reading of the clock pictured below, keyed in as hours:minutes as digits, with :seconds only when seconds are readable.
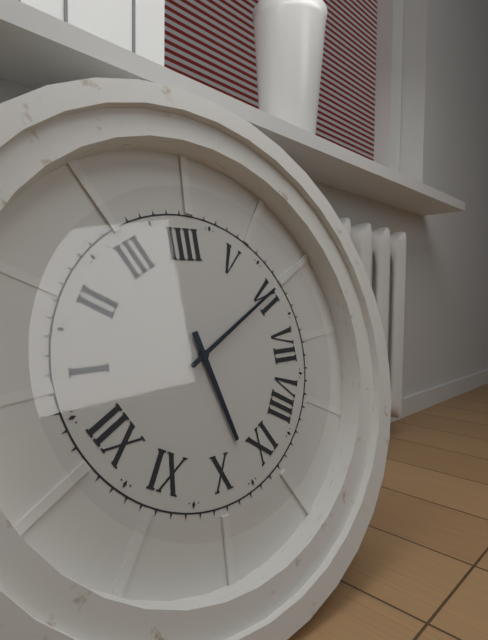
9:30
